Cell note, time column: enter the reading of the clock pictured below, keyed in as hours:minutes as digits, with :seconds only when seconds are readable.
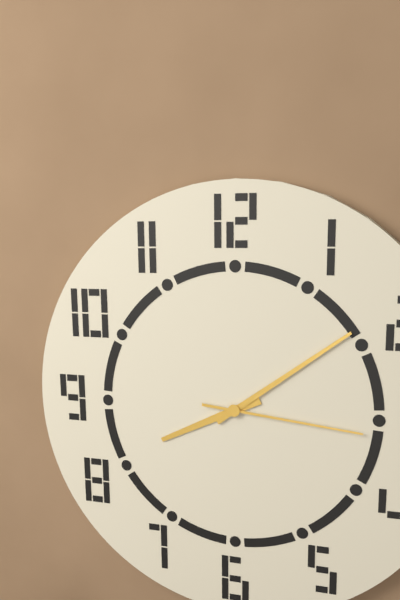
8:09:16
